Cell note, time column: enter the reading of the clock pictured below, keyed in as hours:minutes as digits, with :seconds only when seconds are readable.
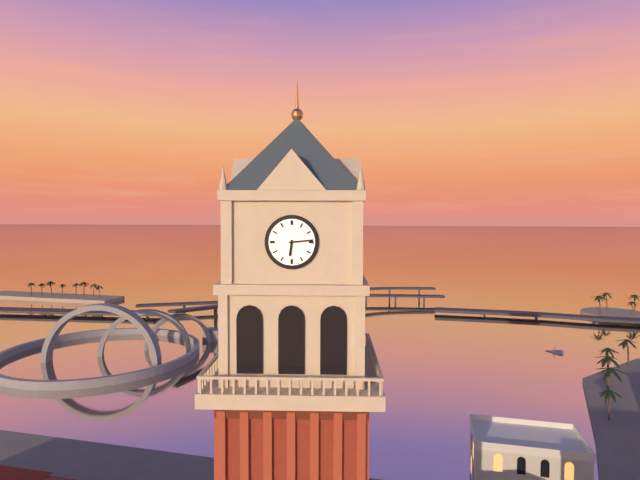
6:14
